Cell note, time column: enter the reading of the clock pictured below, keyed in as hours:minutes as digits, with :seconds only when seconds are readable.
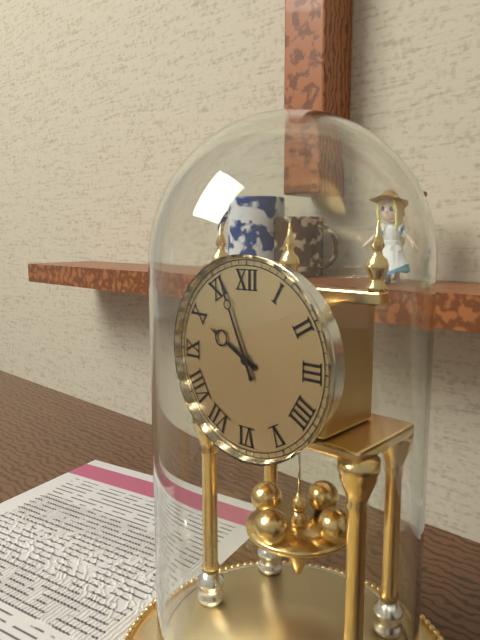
9:56
